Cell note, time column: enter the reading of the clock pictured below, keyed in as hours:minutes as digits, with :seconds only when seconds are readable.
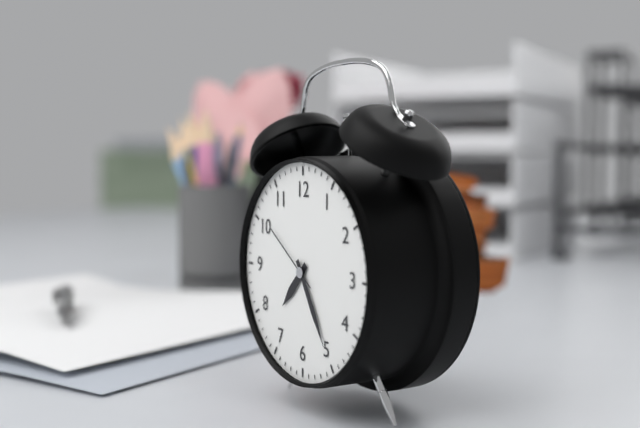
7:25:51
